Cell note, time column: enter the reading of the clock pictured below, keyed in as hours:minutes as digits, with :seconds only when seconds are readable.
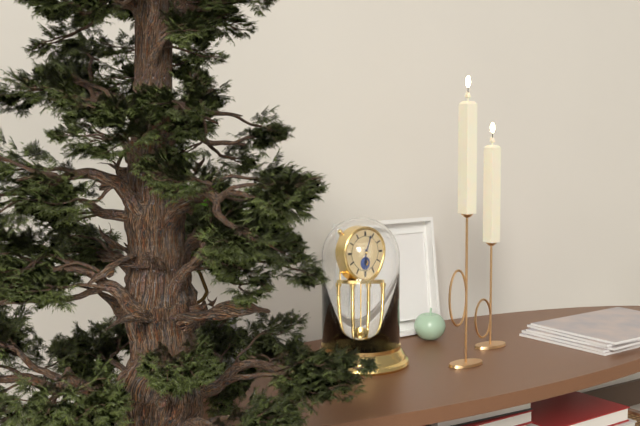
6:03
